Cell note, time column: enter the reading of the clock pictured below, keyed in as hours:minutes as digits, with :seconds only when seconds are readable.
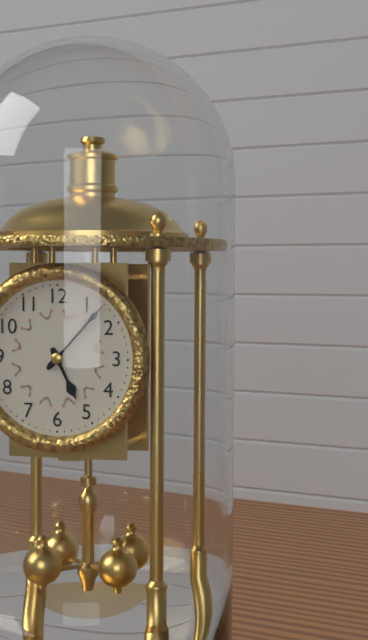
5:07
